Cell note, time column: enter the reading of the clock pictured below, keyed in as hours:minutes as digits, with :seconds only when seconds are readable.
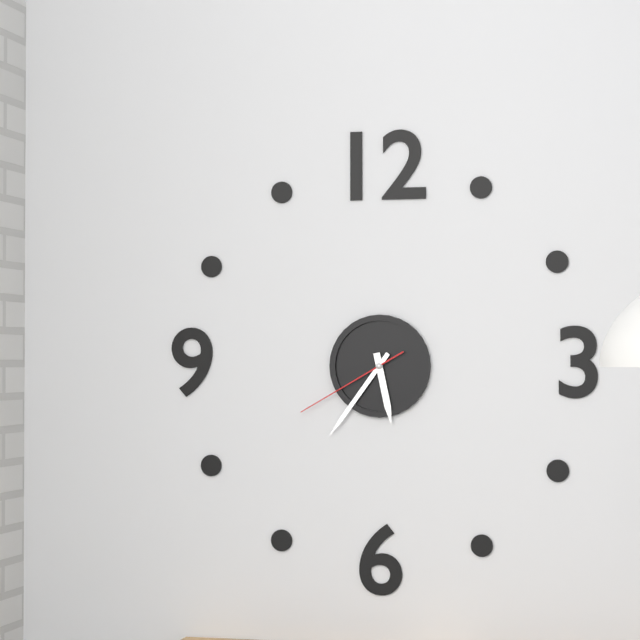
5:36:40
